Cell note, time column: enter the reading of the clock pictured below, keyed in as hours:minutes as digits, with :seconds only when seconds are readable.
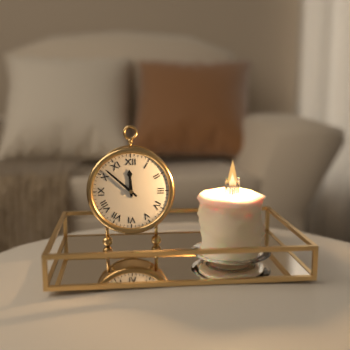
11:52
